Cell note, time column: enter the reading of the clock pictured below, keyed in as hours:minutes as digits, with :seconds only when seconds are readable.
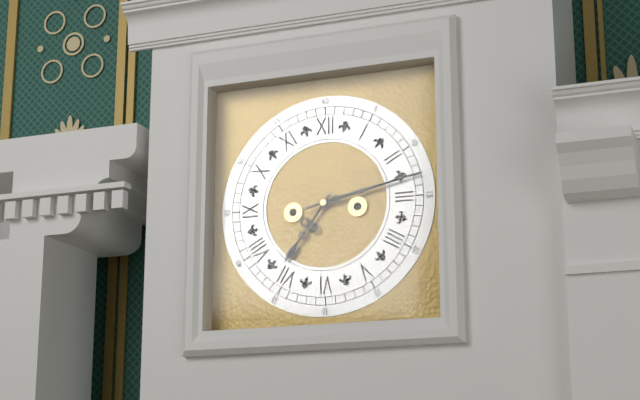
7:13
